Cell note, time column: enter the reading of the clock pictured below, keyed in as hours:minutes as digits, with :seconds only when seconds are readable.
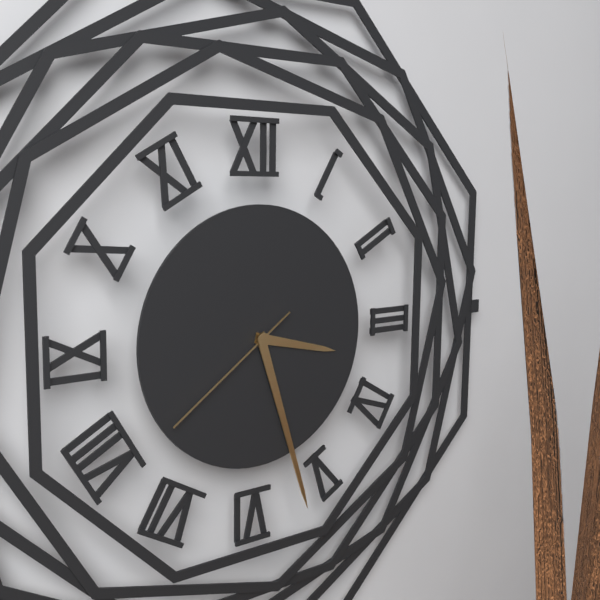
3:27:39
